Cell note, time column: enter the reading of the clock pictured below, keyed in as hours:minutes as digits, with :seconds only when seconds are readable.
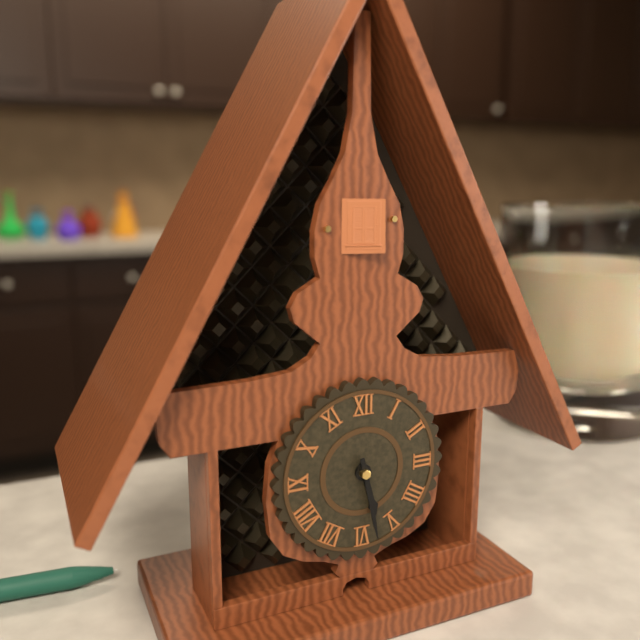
5:28
